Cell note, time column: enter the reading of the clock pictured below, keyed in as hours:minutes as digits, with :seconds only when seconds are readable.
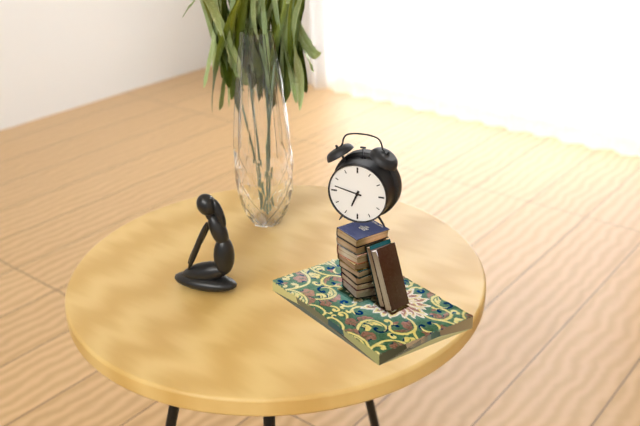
6:47
